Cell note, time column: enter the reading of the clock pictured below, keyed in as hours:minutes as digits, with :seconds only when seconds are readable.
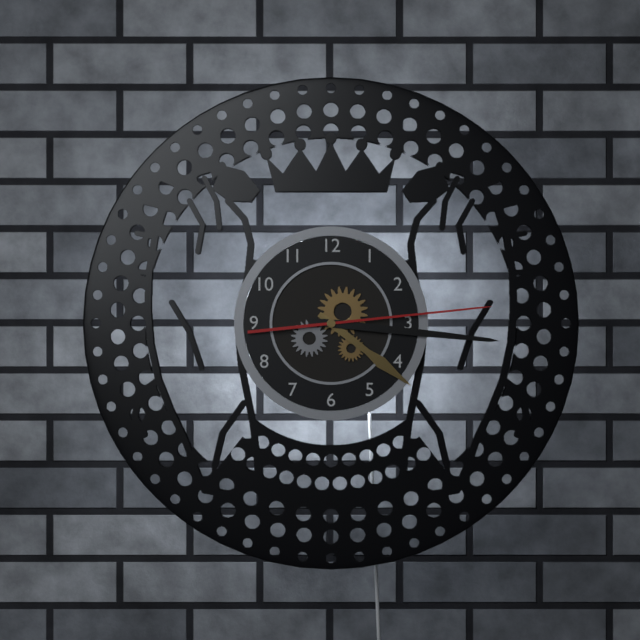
4:16:14
